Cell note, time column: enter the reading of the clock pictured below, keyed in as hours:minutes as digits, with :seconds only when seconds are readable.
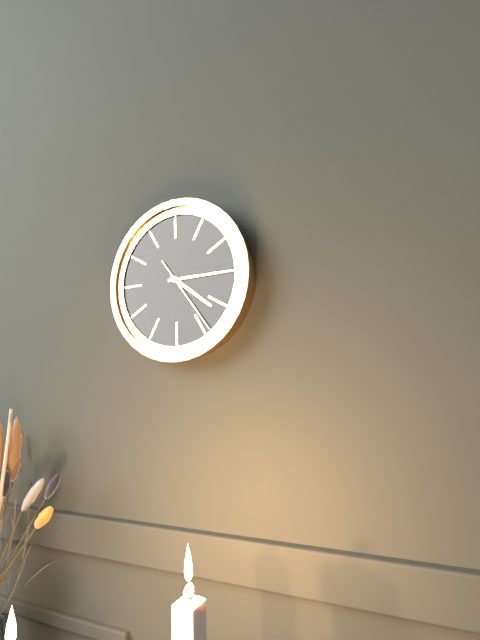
4:15:24
